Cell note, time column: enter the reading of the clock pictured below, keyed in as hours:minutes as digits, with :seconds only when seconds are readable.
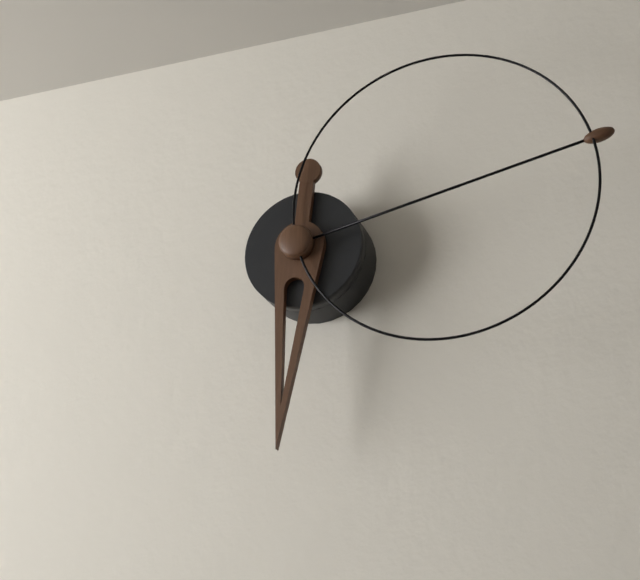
6:13:13
